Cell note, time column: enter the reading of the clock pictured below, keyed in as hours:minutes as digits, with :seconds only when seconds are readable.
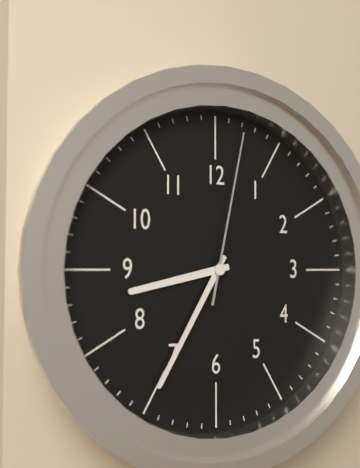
8:35:02
